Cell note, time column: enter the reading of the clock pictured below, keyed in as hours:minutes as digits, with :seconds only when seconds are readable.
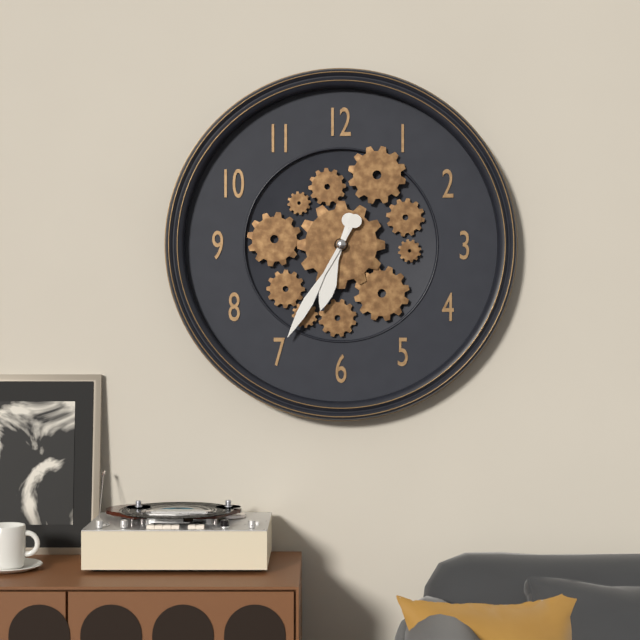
6:35
